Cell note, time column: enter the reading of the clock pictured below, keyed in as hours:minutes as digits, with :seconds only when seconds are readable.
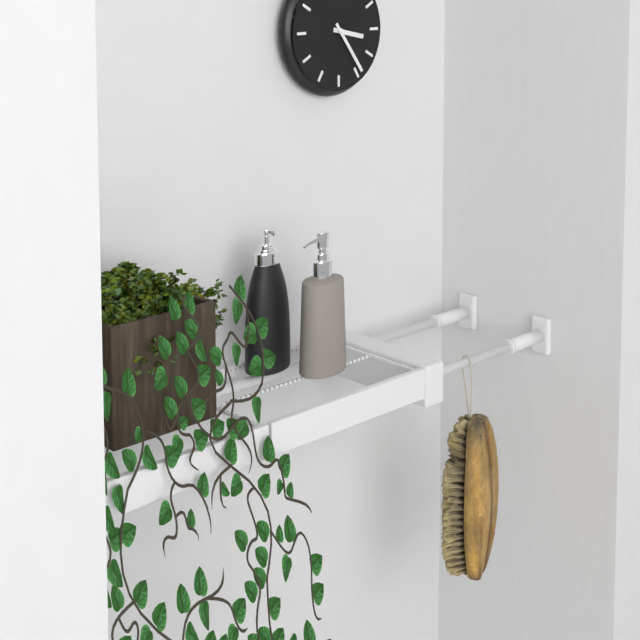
3:24
